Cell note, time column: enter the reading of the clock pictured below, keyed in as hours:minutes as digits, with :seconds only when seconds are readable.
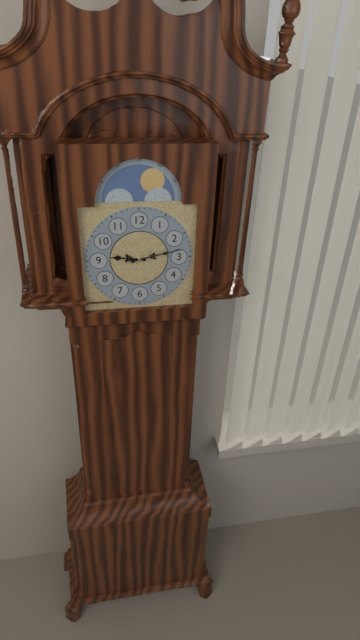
9:13
